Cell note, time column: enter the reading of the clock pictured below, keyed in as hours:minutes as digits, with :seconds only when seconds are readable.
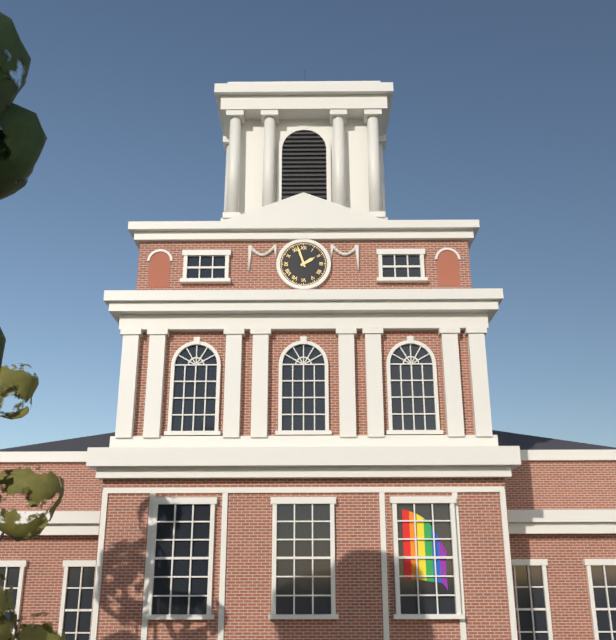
1:57
